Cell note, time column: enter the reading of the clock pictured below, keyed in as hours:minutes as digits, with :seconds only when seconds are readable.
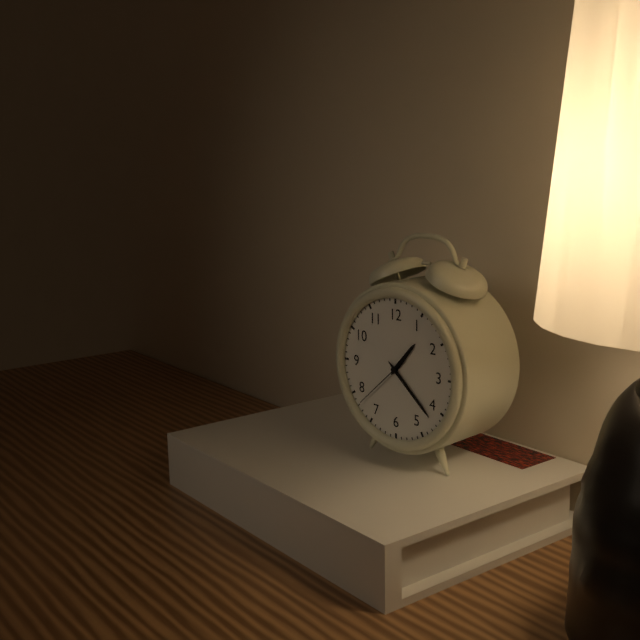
1:22:38
